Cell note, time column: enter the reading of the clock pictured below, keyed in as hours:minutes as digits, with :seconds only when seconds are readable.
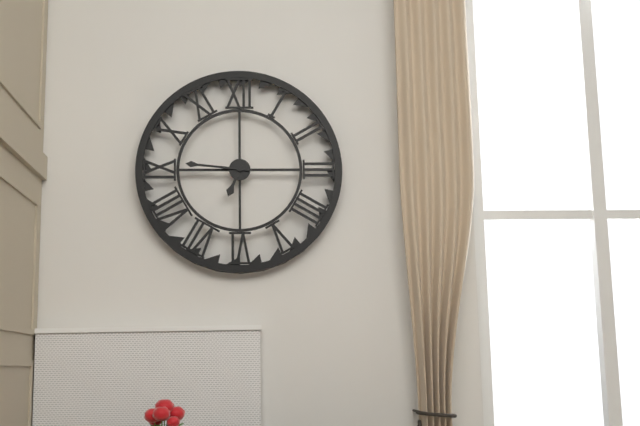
6:46
